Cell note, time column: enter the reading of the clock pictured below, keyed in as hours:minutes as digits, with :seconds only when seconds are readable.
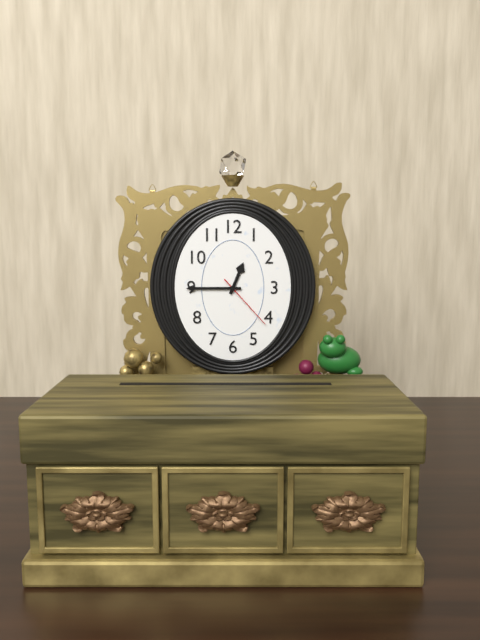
12:45:23
